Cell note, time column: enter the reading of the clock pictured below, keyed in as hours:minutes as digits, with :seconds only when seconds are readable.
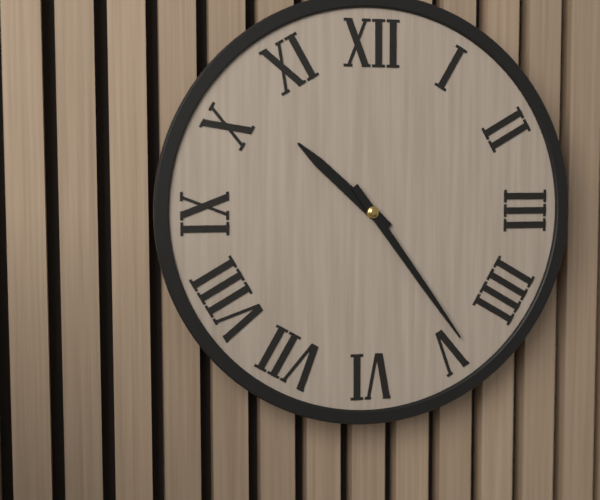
10:24
